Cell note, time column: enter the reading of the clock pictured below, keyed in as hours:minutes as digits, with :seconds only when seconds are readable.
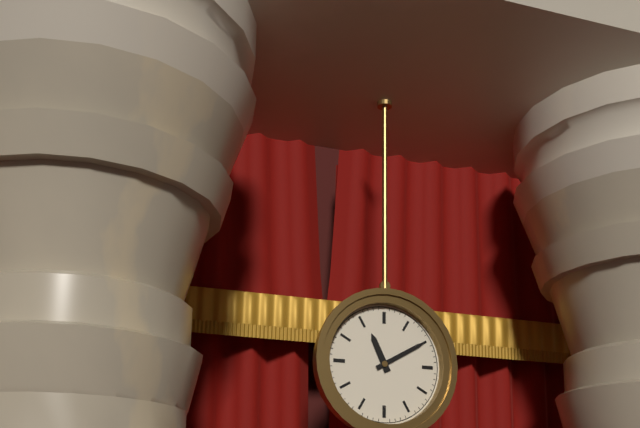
11:10
